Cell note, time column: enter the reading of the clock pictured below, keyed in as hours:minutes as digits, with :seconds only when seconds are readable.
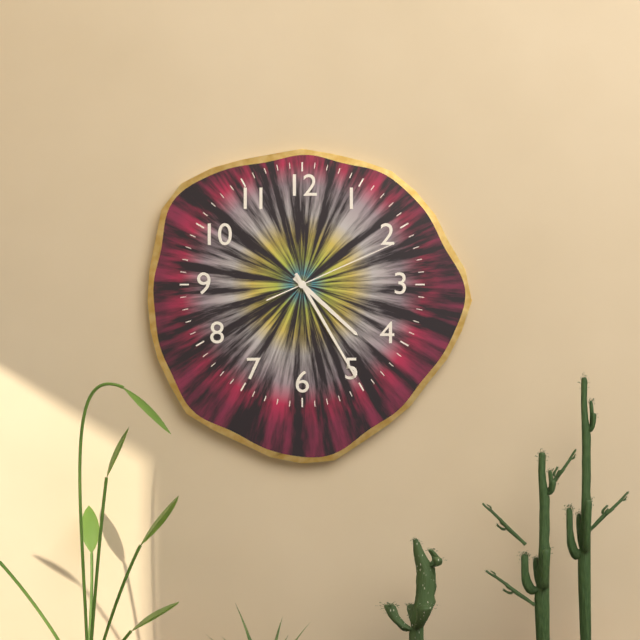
4:25:11
